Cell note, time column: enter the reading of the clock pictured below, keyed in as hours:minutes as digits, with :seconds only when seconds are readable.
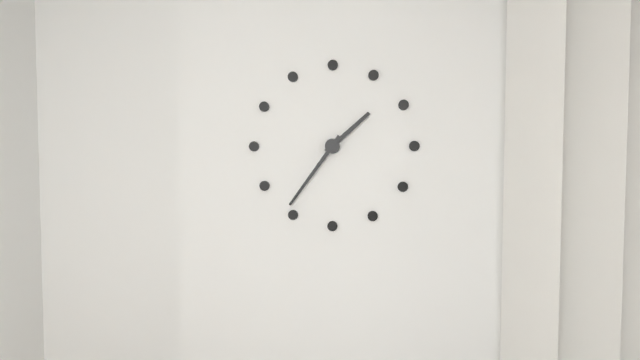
1:36
